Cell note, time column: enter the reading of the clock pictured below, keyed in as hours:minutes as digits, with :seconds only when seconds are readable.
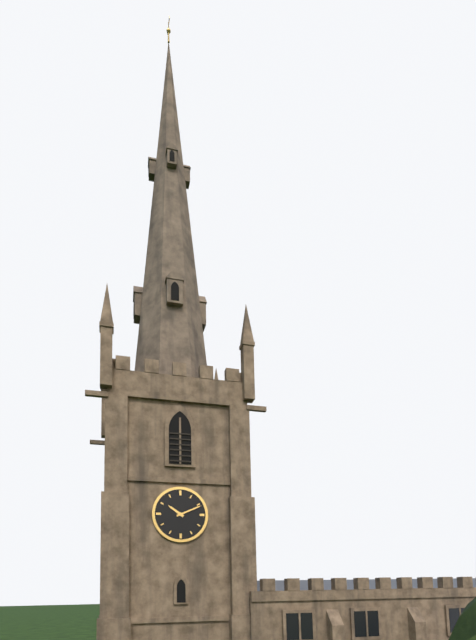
10:11
